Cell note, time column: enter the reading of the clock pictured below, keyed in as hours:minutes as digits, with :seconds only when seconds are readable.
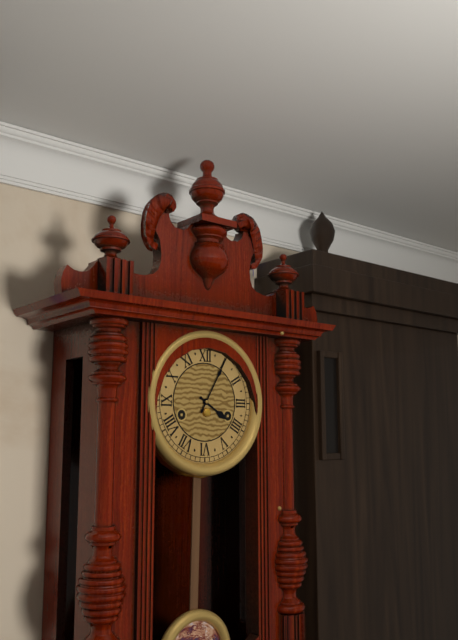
4:05
